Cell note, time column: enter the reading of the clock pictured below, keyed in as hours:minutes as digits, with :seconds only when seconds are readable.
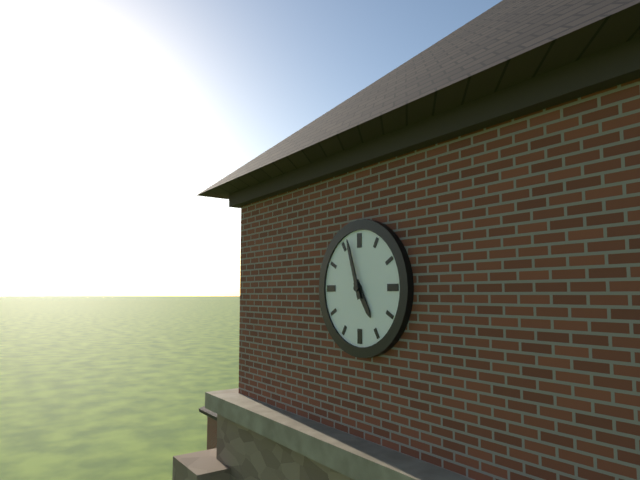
4:57
